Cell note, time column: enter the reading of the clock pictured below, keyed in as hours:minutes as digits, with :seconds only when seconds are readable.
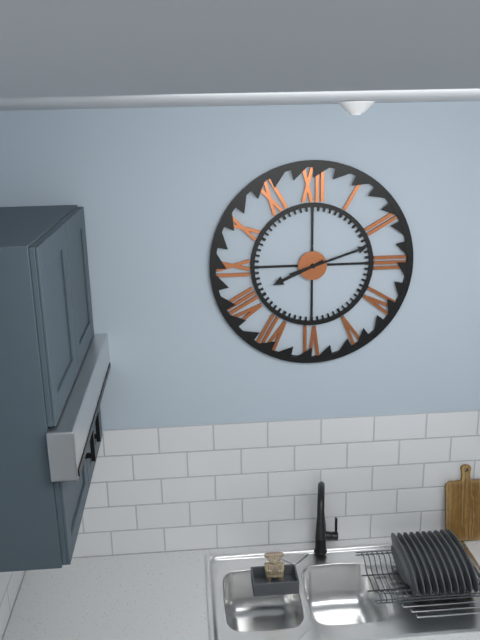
8:12
